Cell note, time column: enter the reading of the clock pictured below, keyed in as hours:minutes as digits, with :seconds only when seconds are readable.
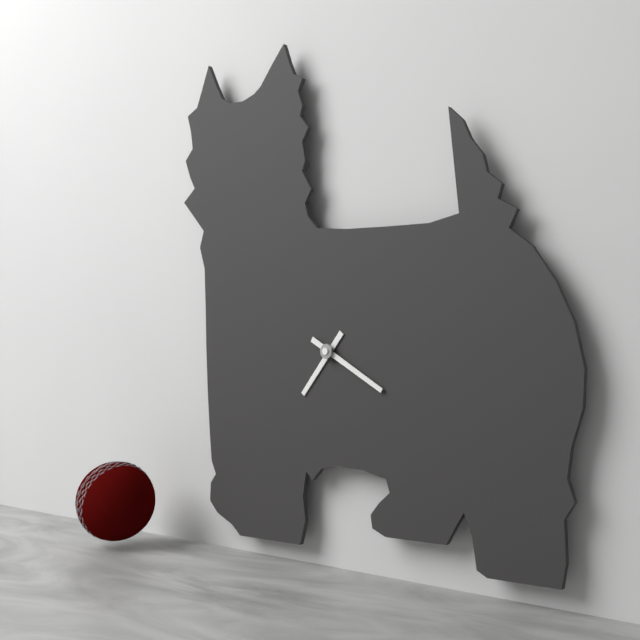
7:20
